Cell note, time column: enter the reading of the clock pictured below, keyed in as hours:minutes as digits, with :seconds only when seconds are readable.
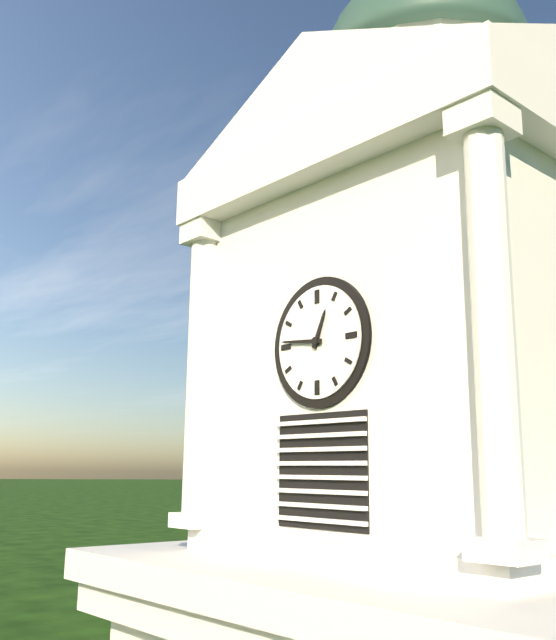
12:46
